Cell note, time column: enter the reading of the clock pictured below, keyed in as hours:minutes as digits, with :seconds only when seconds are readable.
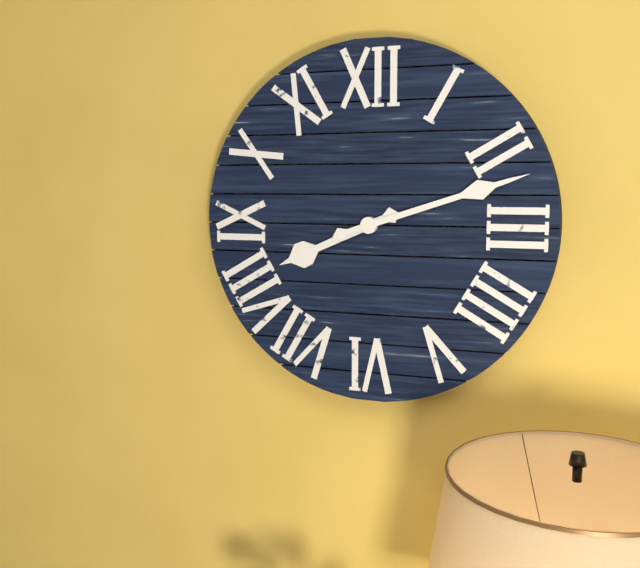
8:12
